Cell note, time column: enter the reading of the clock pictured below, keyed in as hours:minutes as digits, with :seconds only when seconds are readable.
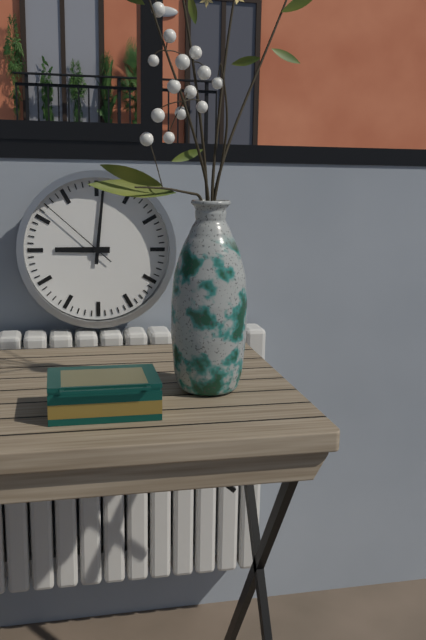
9:01:52
